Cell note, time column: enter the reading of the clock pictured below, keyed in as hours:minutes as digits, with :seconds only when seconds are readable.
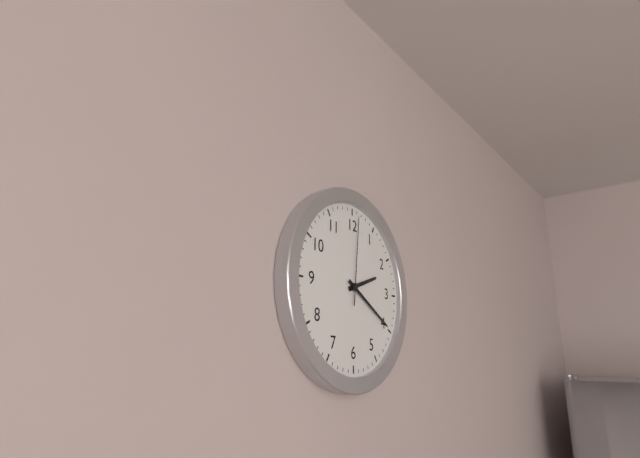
2:20:01
